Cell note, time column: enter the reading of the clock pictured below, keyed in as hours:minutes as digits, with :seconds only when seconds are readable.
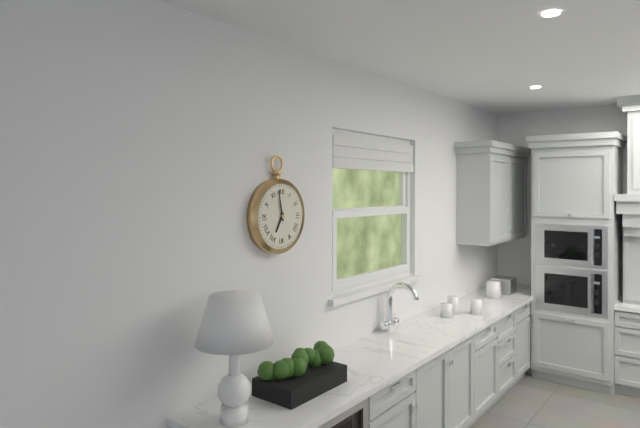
6:58
